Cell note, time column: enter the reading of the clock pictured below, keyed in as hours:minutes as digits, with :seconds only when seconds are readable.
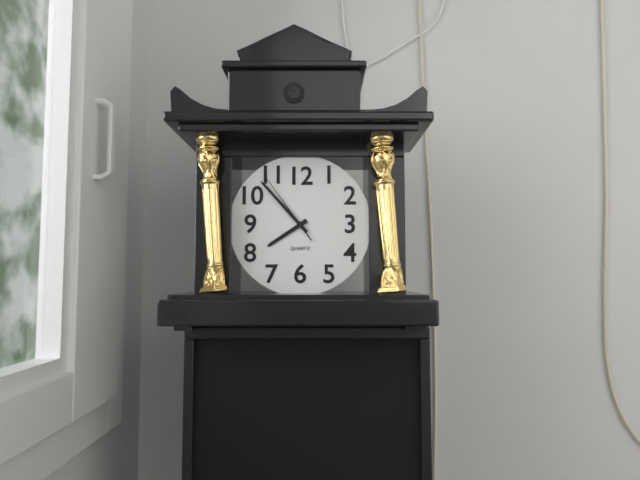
7:53:54
